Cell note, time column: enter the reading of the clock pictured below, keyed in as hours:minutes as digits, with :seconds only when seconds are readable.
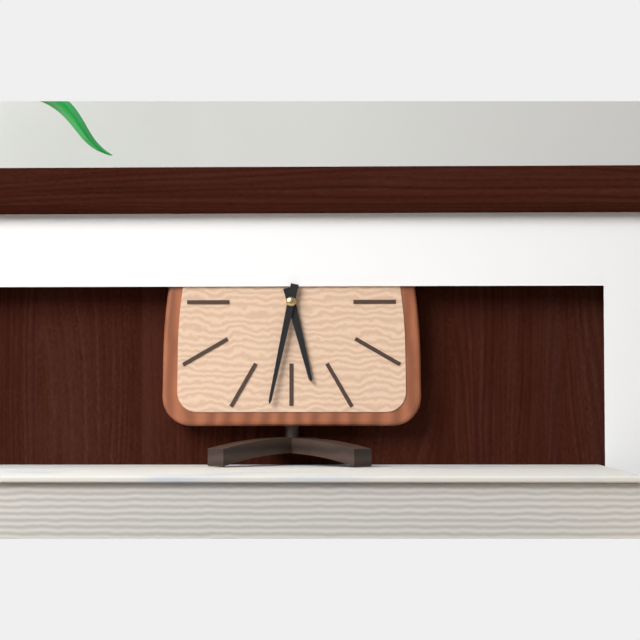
5:32
